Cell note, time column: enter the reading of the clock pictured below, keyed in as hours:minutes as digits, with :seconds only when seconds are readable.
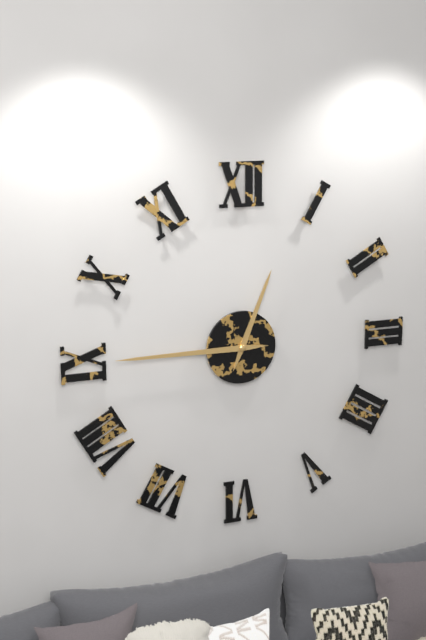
12:45
